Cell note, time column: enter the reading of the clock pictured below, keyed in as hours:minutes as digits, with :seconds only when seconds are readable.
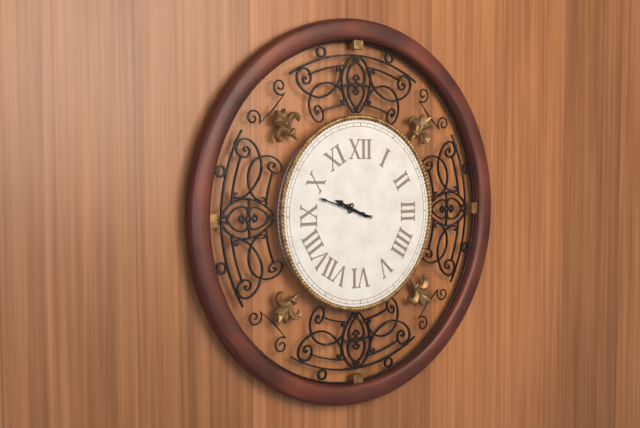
9:48
